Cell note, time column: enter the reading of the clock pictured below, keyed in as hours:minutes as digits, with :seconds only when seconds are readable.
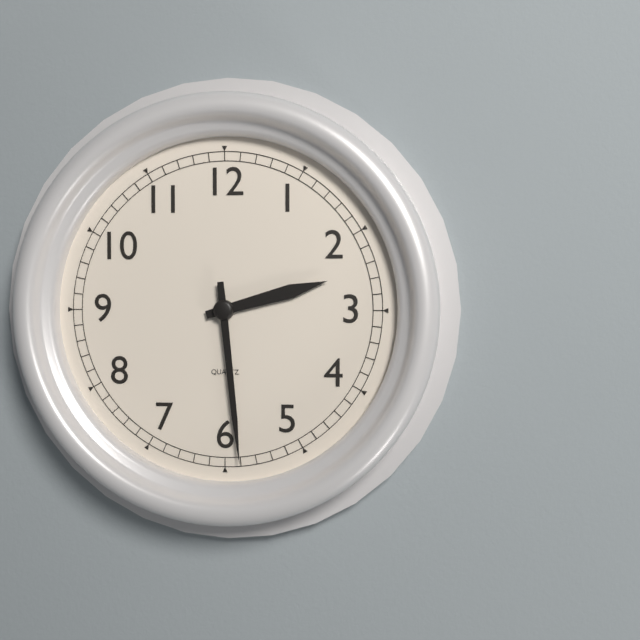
2:29
